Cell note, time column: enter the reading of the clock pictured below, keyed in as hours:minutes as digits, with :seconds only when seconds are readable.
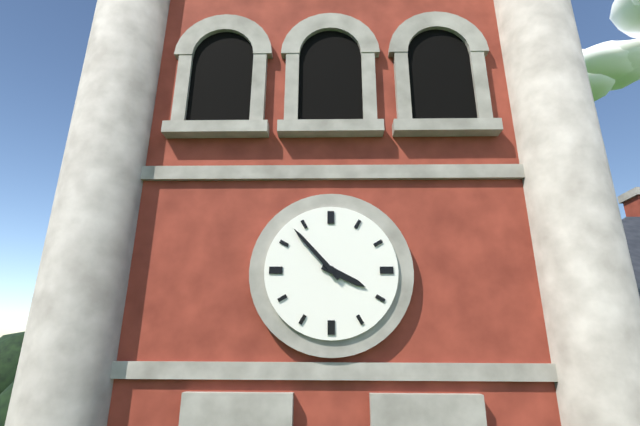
3:53
